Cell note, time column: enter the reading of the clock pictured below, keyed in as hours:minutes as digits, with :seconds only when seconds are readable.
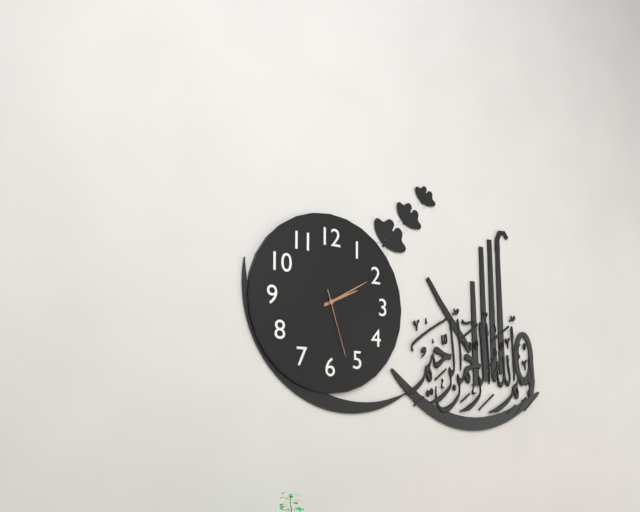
2:10:27
